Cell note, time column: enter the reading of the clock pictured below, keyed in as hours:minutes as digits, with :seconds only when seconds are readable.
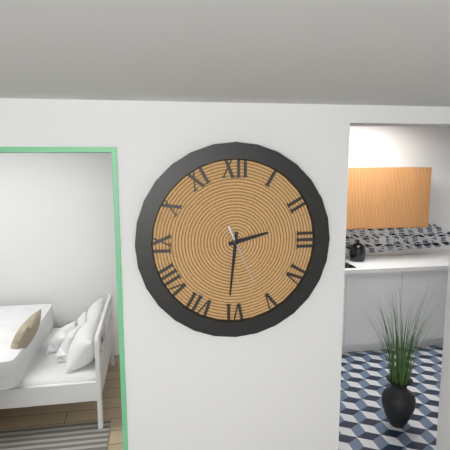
2:31:26
